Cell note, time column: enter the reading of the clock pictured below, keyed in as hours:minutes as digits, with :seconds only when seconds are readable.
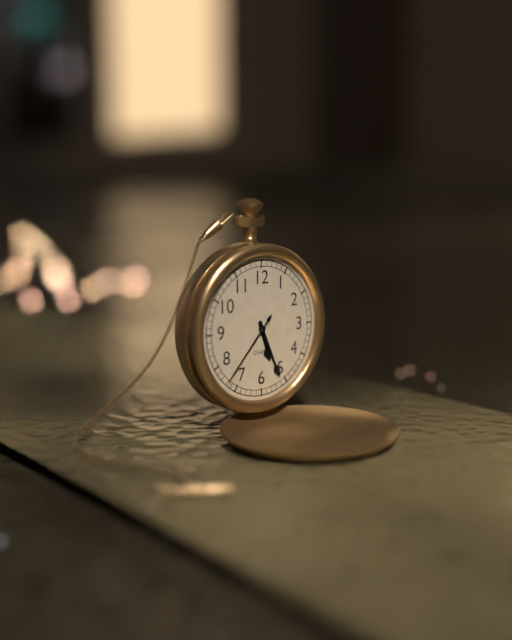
5:26:37
